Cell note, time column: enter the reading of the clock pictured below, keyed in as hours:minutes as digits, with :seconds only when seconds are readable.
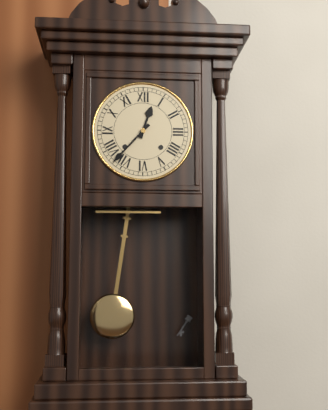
12:37
